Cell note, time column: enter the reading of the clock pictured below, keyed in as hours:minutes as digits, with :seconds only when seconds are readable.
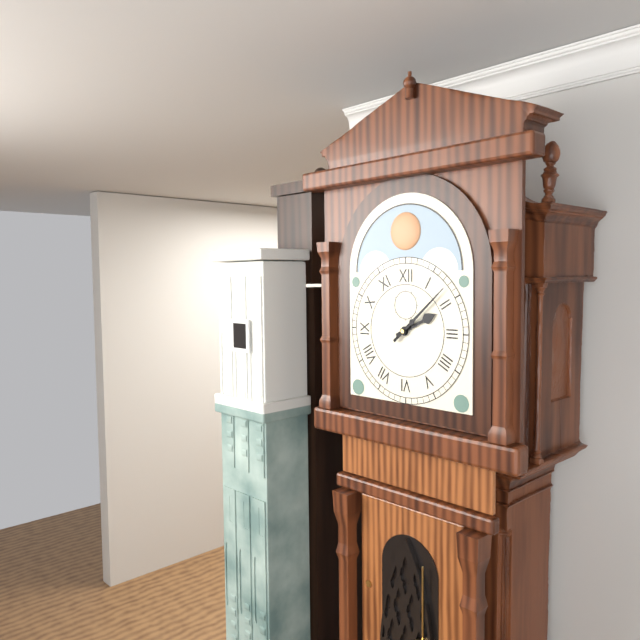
2:08
